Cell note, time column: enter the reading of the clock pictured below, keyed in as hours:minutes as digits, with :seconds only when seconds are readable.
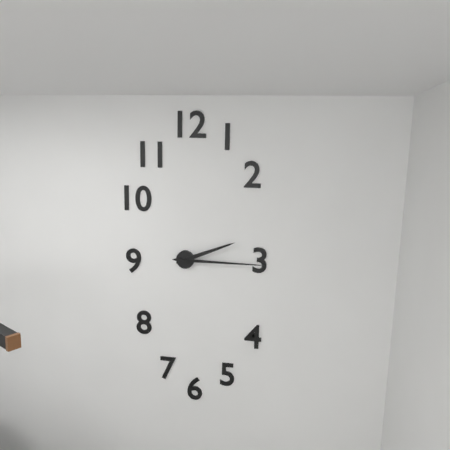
2:15
